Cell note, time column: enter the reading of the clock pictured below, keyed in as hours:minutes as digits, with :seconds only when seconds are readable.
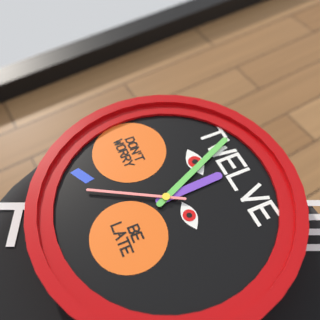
11:56:35
